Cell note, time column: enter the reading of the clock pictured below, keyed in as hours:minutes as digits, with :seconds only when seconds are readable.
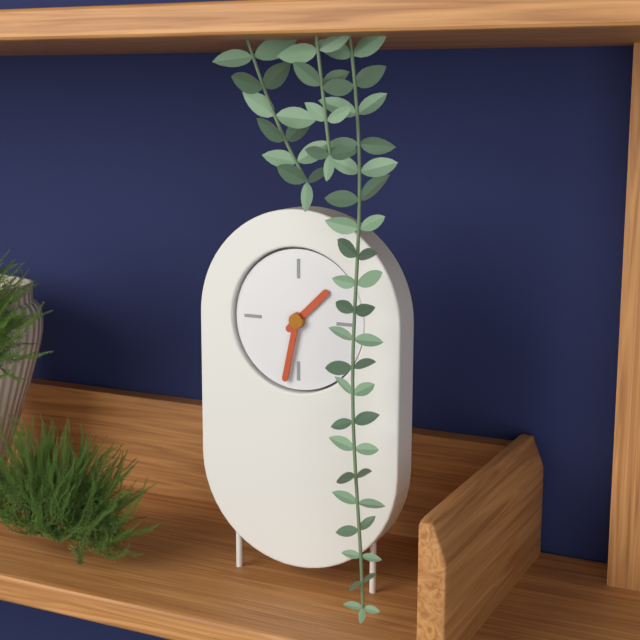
1:32
